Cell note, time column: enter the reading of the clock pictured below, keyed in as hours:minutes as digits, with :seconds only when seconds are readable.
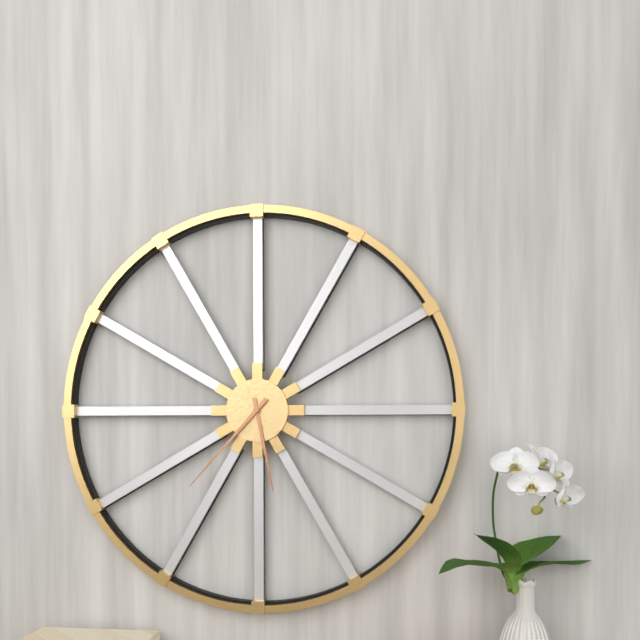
5:37
